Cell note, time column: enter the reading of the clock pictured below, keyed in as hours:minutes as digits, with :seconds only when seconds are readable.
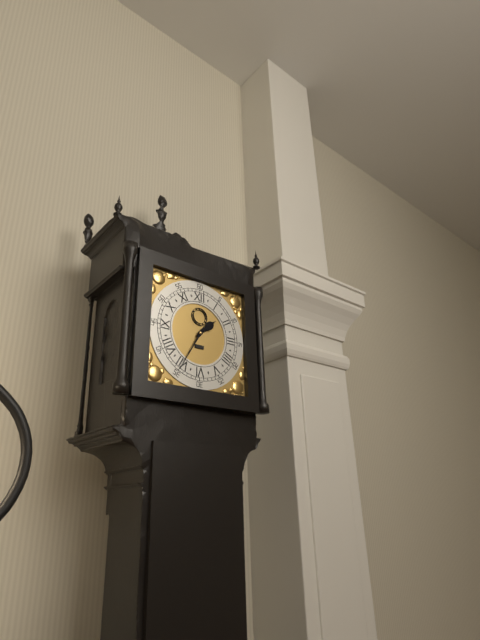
1:35
